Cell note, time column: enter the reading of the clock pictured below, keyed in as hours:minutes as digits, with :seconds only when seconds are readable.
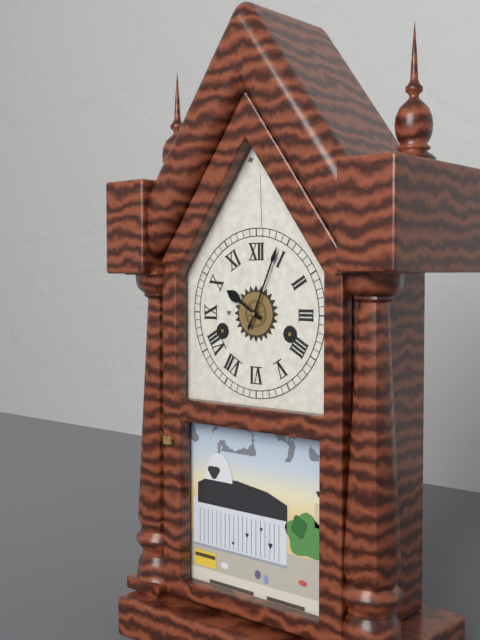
10:04
